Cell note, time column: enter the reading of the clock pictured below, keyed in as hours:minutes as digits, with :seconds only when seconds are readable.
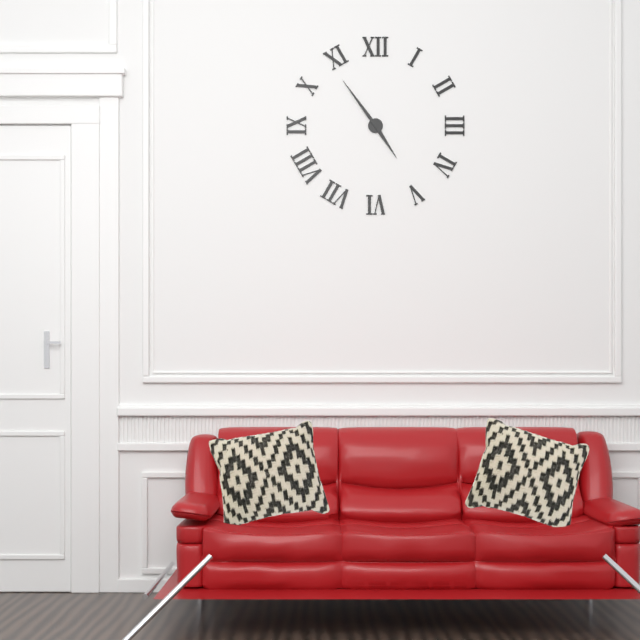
4:54
